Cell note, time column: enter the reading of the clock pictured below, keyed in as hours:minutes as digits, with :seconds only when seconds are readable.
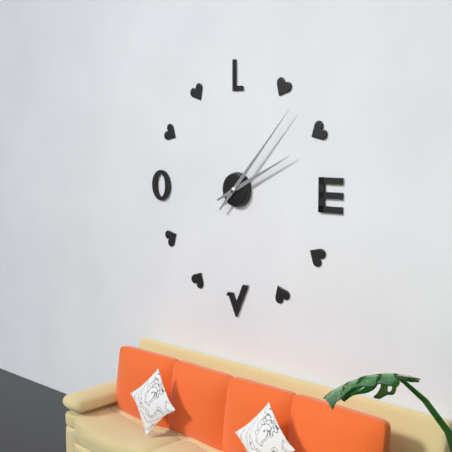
2:07
